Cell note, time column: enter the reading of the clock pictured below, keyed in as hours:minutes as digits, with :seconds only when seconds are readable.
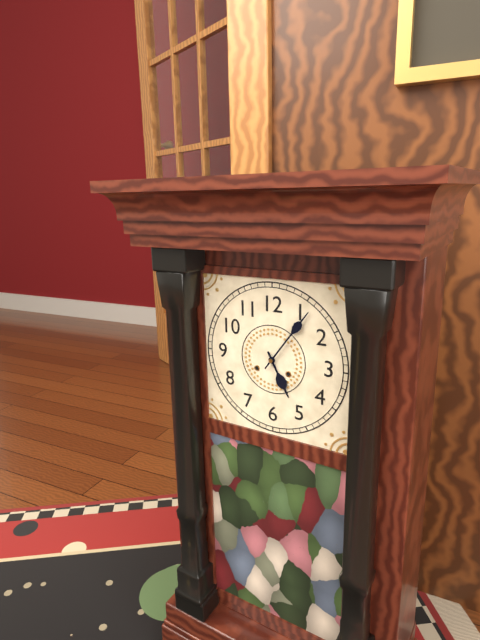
5:06
